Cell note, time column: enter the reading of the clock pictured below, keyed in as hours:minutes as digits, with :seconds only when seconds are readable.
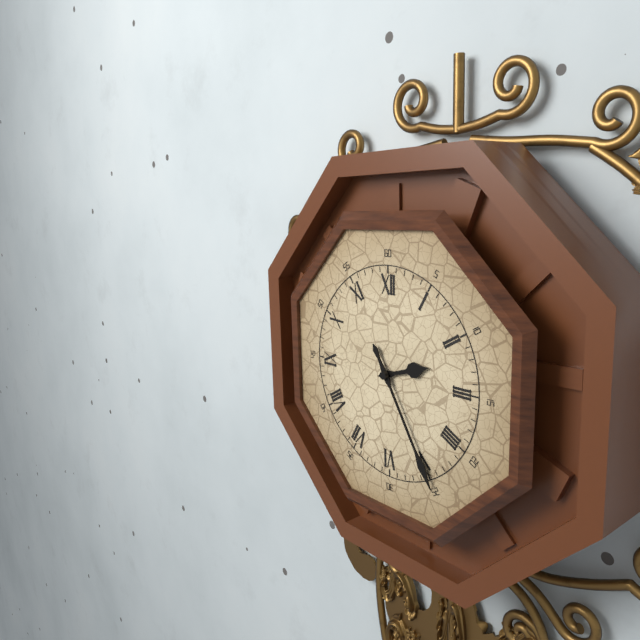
2:25
